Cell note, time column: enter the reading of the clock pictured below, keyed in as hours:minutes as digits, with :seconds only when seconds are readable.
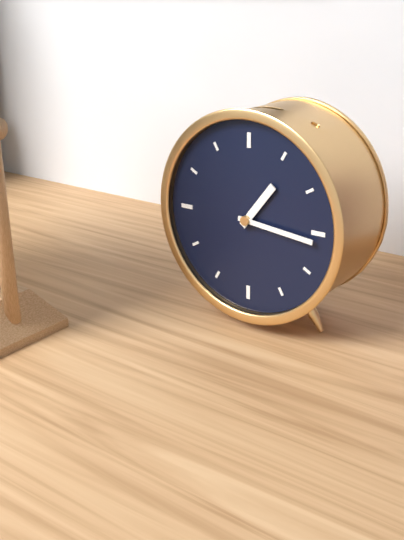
1:16
